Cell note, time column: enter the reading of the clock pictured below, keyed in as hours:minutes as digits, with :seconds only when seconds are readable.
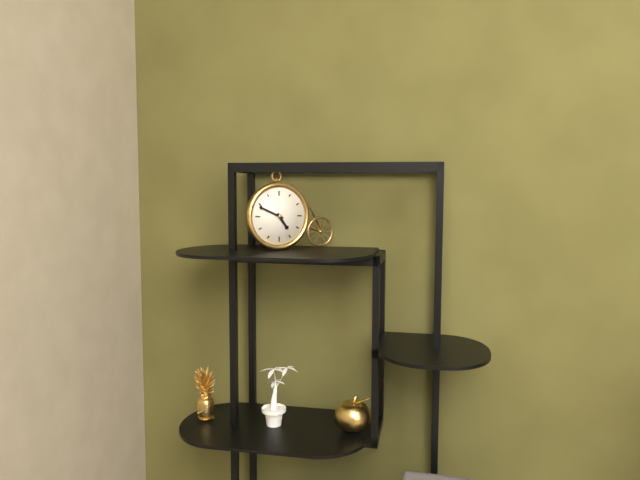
4:49
